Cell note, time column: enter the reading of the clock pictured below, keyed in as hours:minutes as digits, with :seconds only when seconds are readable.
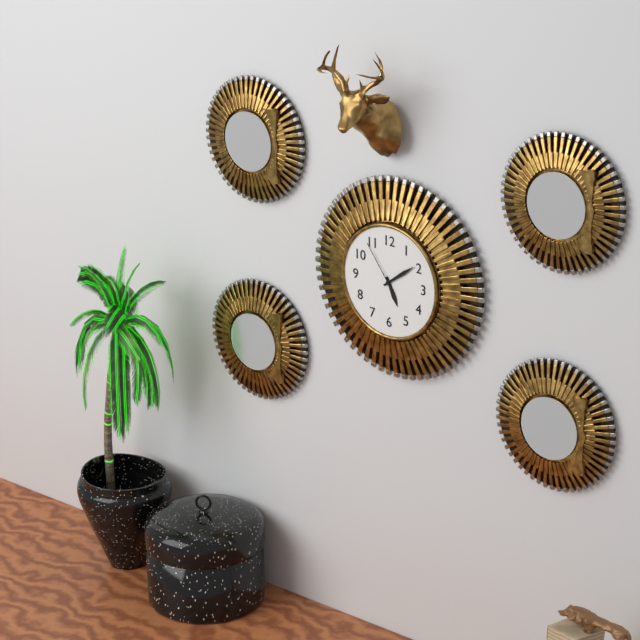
5:09:54
